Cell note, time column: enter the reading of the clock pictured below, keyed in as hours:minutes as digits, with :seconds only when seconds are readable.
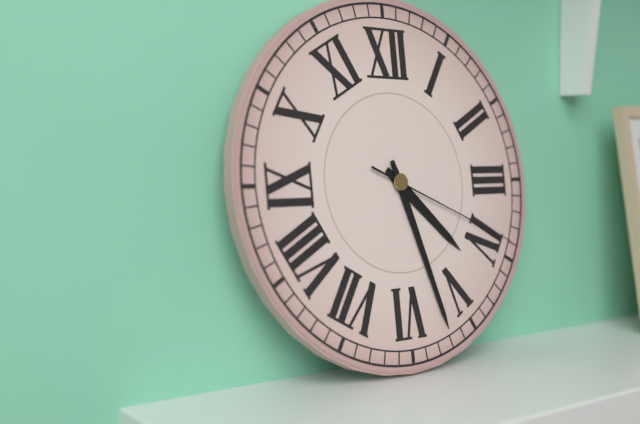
4:27:19
